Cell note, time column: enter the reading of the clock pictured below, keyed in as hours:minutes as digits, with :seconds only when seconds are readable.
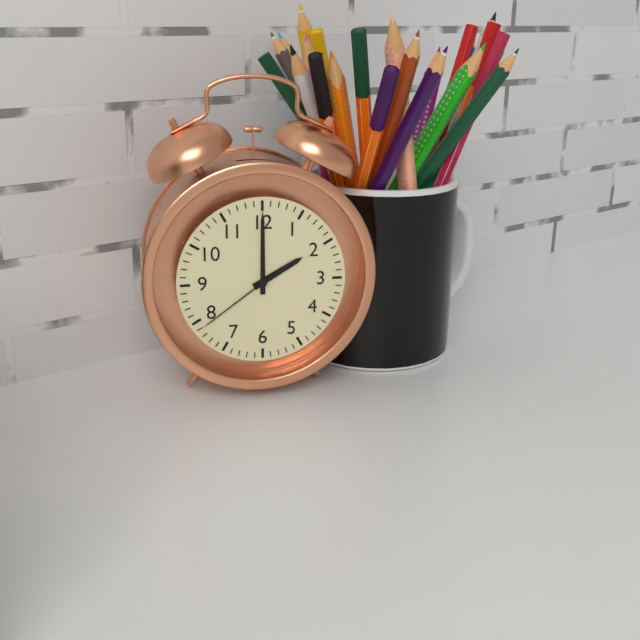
2:00:39
